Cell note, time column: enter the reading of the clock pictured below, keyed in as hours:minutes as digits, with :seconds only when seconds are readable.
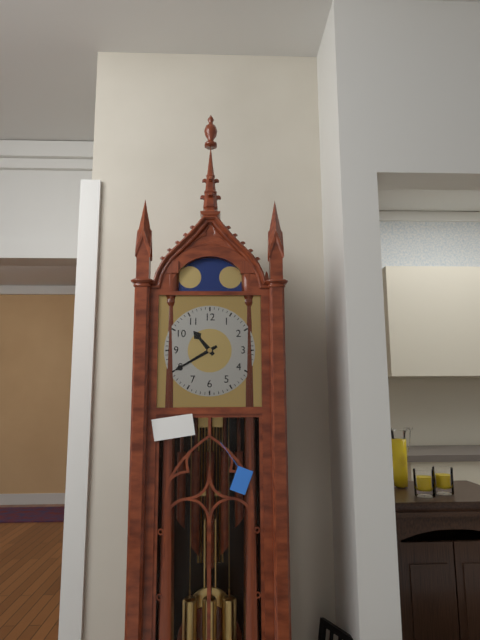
10:40
